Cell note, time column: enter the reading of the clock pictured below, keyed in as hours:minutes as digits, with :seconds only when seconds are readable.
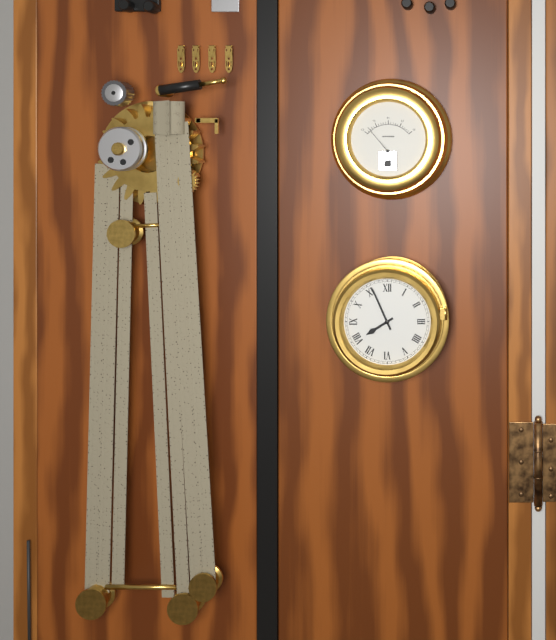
7:56
